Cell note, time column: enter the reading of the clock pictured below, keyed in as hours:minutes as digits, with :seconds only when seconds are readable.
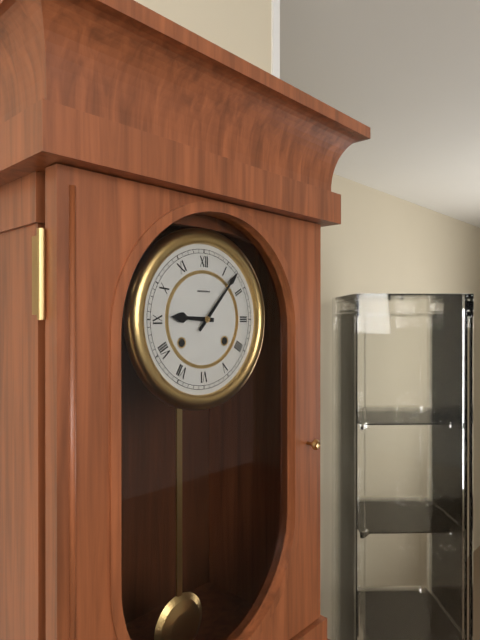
9:07
